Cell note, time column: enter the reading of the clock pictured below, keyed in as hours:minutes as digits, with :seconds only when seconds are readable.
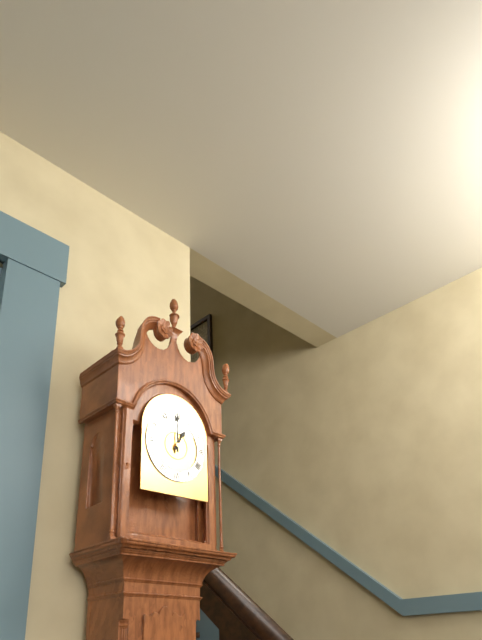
1:00
